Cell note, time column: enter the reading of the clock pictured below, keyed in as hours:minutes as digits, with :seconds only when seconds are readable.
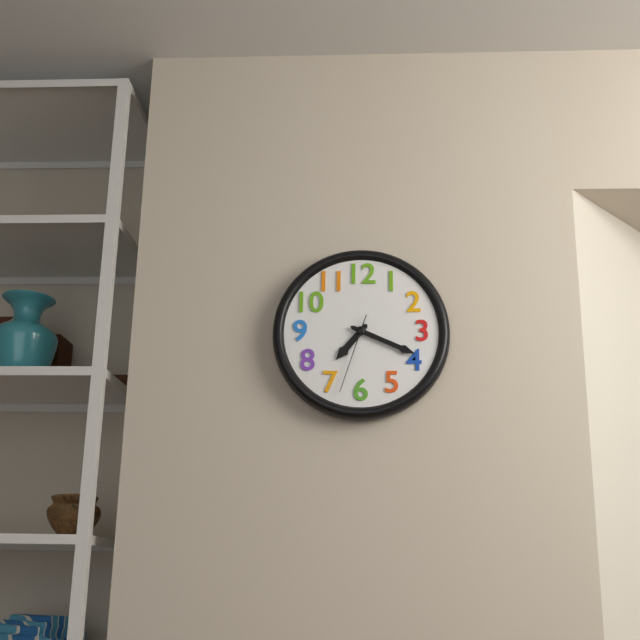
7:19:33
